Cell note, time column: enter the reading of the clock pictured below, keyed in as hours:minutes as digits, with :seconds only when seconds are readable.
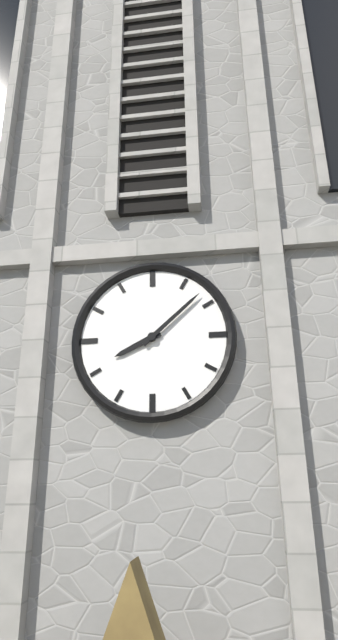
8:08
